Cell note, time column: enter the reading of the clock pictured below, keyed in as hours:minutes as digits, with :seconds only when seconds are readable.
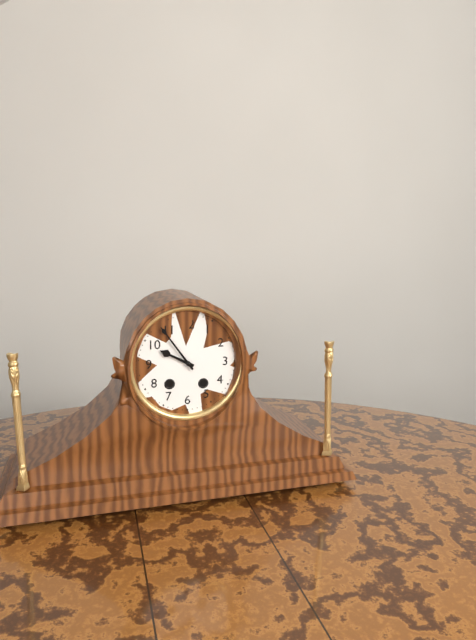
9:54
